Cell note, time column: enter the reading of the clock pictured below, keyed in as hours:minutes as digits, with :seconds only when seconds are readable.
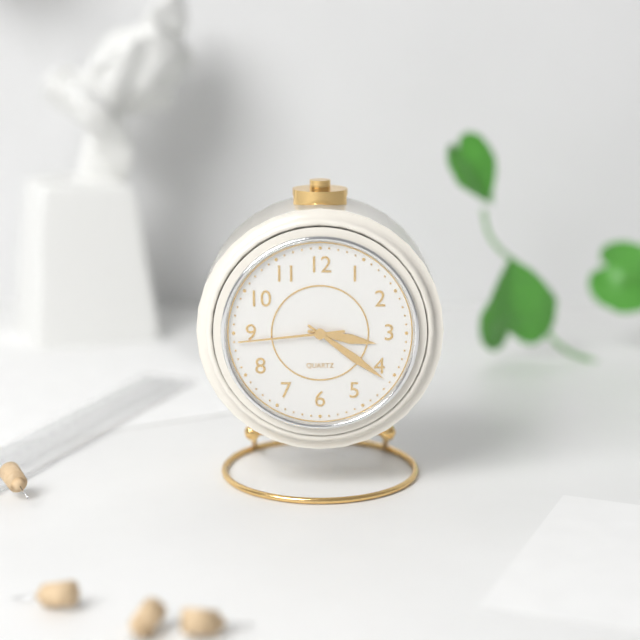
3:21:44
